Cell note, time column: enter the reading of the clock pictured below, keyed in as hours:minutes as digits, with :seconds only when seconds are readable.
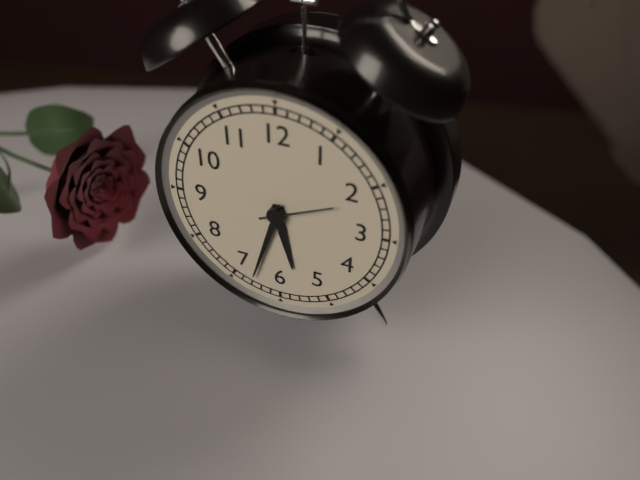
5:33:11
